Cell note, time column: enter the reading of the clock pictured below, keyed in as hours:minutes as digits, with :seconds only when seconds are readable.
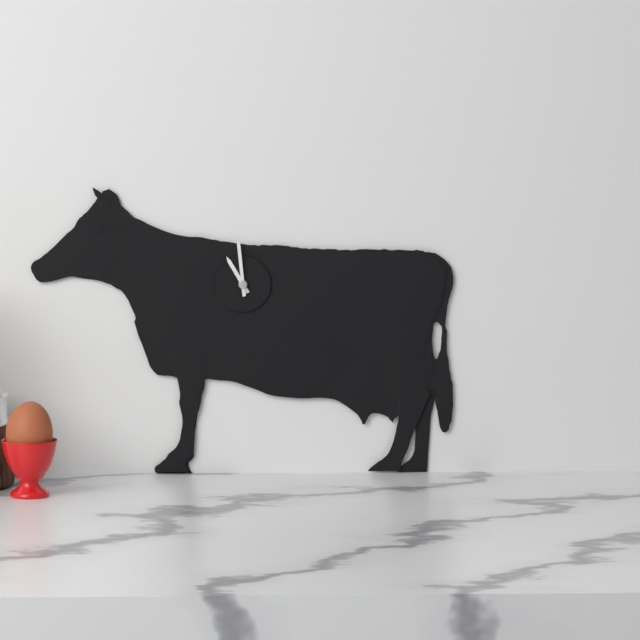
10:59
